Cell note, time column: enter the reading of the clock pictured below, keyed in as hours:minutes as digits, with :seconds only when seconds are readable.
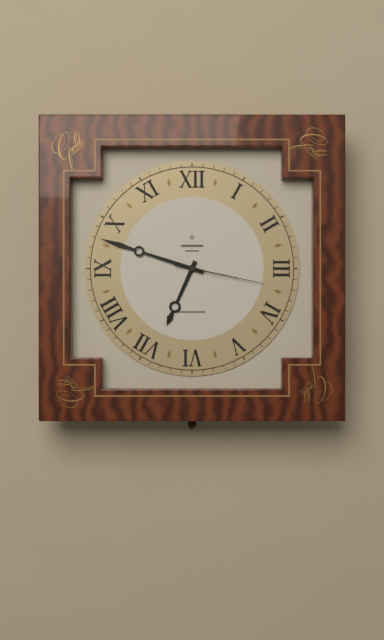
6:48:17
